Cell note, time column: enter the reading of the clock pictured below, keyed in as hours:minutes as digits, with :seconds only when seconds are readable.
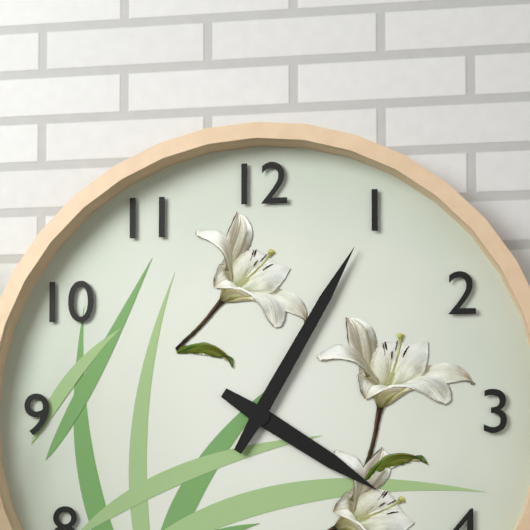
4:05
